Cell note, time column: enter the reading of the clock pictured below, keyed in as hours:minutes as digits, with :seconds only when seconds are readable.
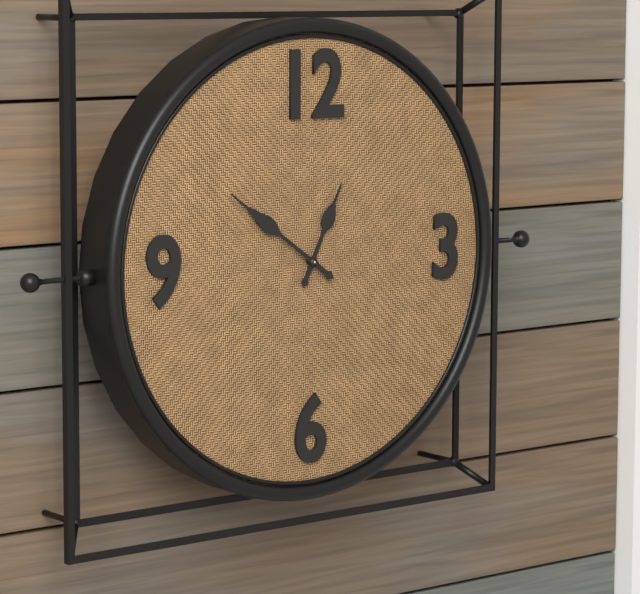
12:51
